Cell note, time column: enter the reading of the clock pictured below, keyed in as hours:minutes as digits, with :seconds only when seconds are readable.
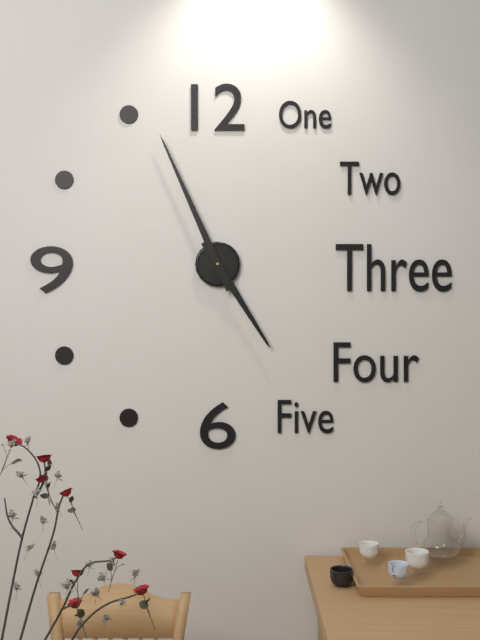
4:56
